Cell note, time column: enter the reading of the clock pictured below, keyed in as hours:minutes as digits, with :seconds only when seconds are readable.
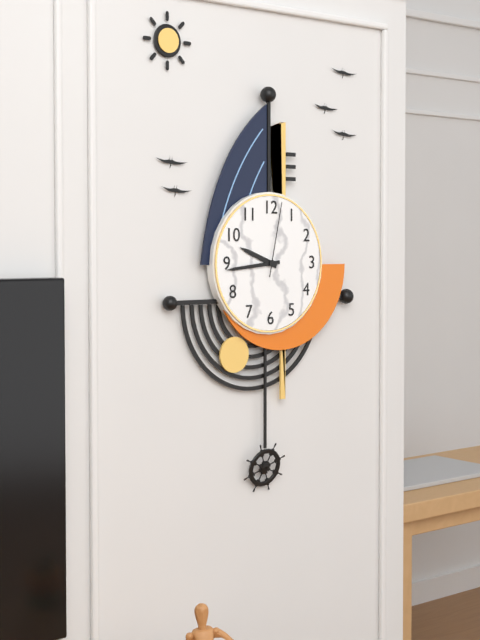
9:44:02
